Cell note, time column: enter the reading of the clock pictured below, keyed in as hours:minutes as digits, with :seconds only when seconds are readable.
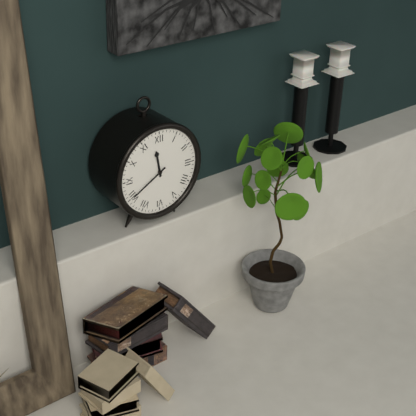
11:40
